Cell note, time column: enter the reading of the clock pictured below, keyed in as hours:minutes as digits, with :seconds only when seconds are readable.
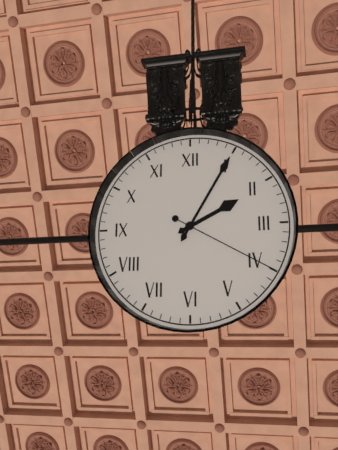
2:05:20
